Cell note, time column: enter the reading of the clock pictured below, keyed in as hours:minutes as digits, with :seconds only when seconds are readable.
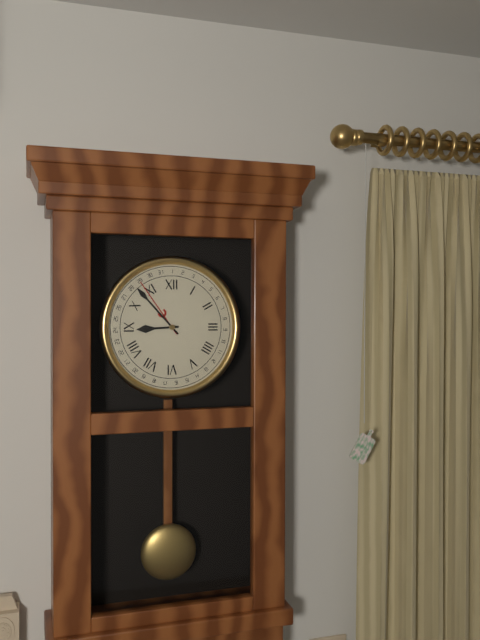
8:53
